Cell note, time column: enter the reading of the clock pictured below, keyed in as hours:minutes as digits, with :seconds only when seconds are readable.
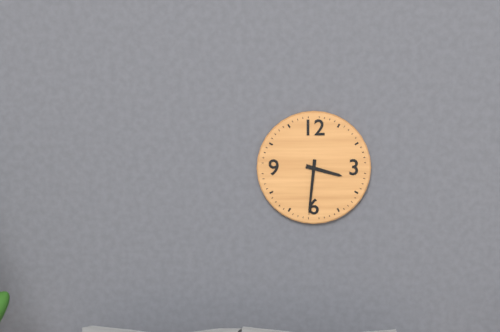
3:31
